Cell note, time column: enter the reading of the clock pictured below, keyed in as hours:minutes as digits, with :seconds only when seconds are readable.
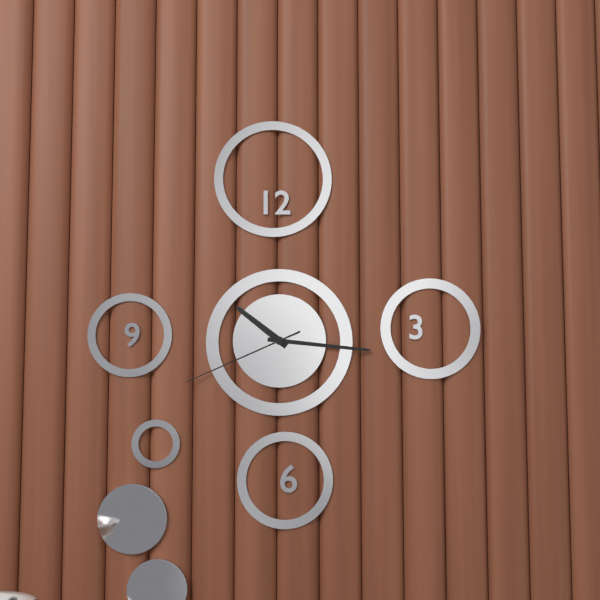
10:16:41
